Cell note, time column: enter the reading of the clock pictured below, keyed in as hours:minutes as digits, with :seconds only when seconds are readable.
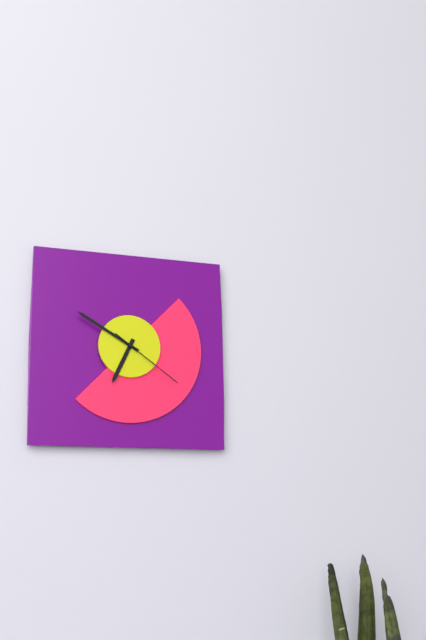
6:50:21
